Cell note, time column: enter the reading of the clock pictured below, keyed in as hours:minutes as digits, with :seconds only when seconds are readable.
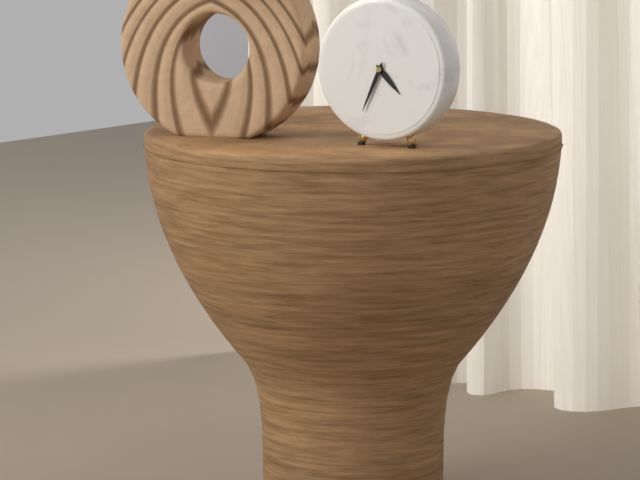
4:34
